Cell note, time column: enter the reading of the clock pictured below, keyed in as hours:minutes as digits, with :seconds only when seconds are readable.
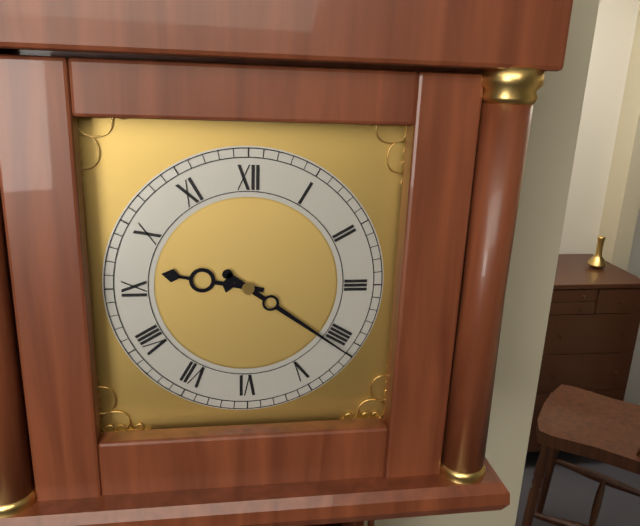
9:21
